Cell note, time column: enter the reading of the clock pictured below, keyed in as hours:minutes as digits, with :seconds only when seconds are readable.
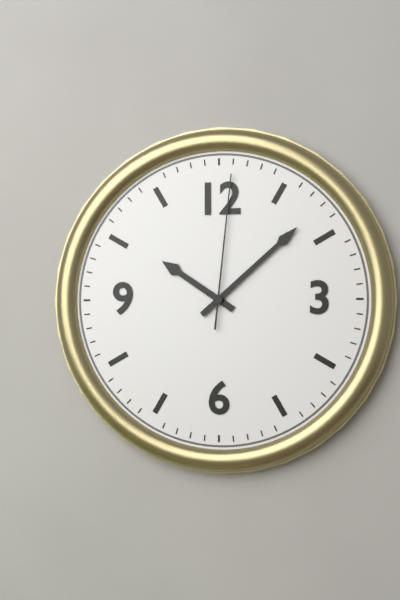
10:08:01
